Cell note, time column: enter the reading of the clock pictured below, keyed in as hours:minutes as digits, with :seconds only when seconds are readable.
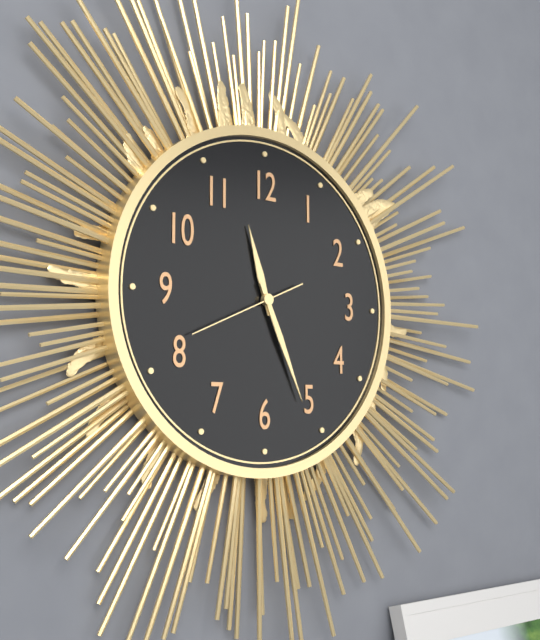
11:26:41
